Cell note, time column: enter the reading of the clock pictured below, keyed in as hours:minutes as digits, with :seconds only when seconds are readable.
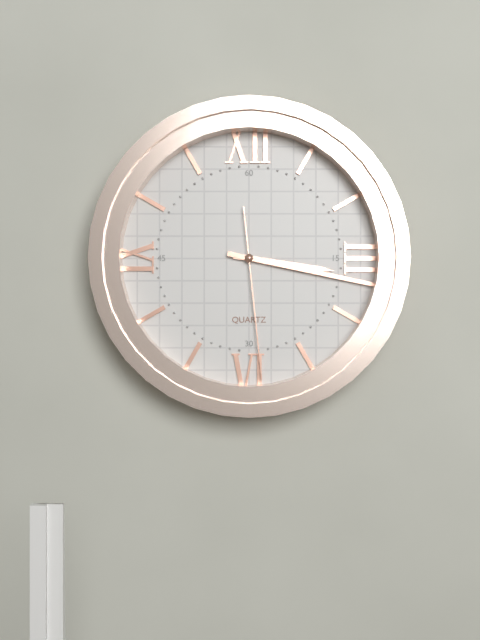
3:17:29
